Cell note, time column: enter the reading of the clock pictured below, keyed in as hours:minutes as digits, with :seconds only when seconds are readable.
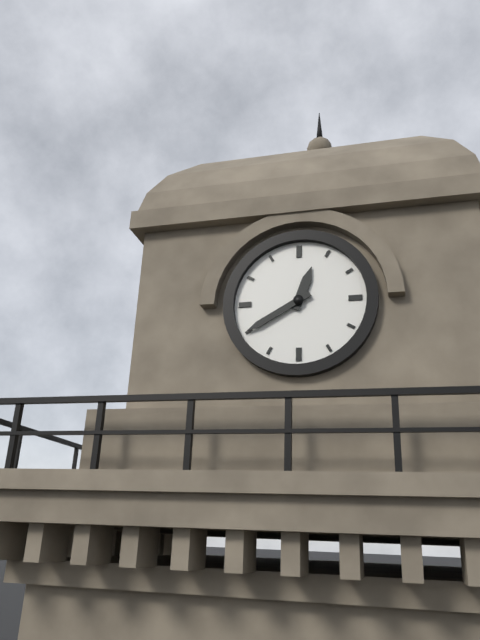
12:40
